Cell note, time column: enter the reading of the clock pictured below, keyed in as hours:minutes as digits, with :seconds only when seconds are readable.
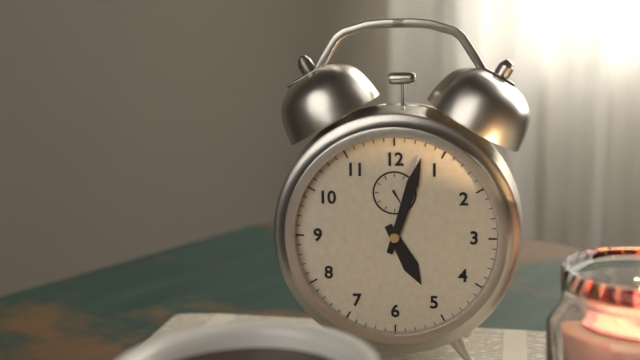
5:03
